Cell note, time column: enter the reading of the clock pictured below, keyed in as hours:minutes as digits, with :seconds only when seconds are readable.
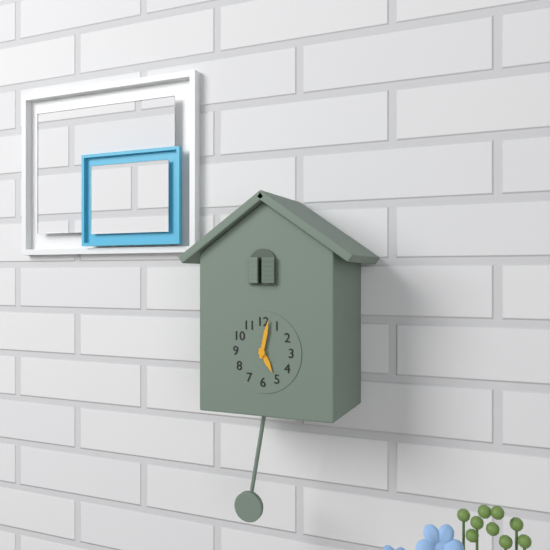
5:02
